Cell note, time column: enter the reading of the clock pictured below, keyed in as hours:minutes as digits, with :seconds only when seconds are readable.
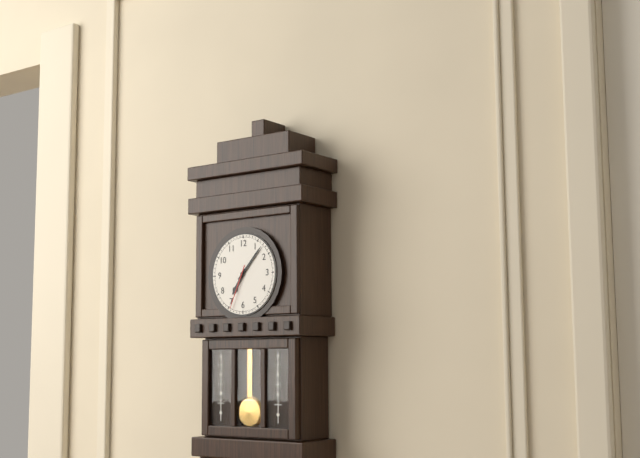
7:07
